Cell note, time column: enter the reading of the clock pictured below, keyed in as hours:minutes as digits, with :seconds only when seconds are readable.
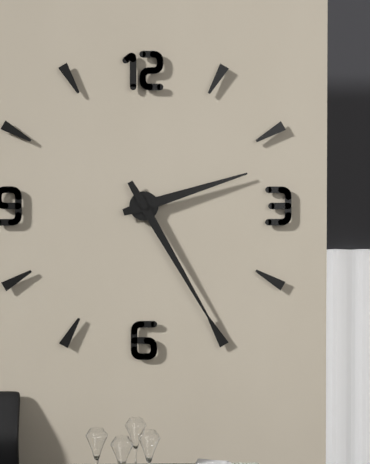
2:25
